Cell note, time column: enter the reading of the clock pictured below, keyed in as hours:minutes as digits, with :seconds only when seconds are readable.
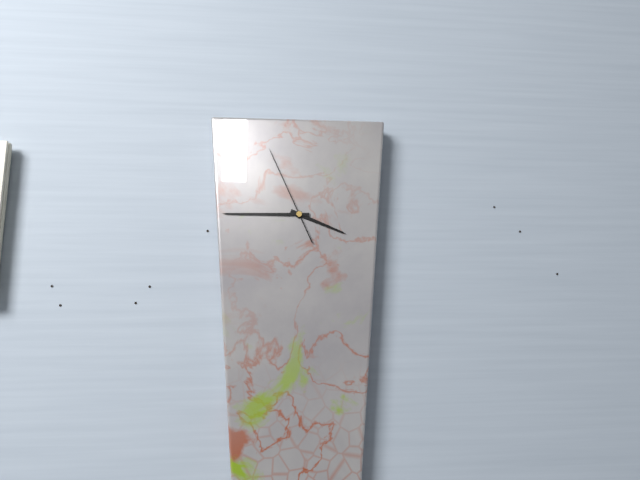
3:45:56
